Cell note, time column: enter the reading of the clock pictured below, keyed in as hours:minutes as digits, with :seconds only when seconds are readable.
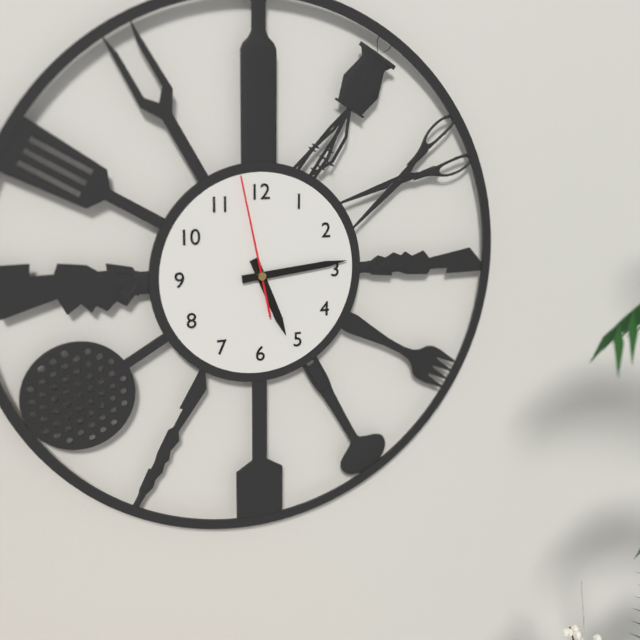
5:14:58
